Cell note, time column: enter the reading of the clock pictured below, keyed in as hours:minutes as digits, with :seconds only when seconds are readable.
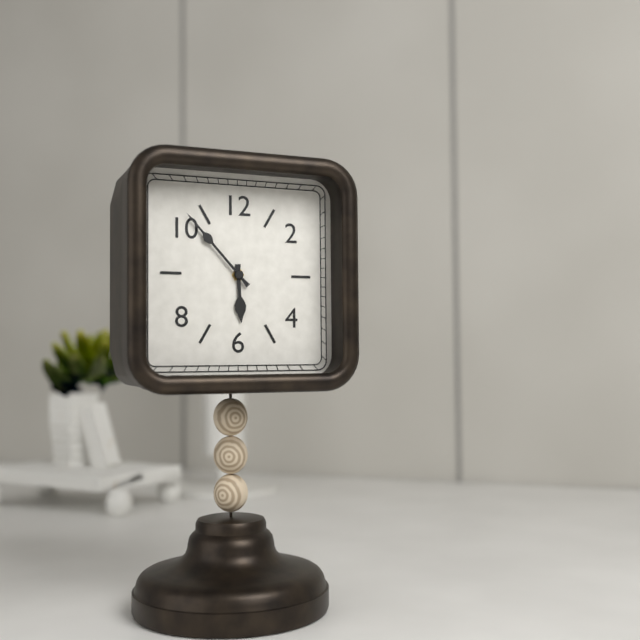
5:53
